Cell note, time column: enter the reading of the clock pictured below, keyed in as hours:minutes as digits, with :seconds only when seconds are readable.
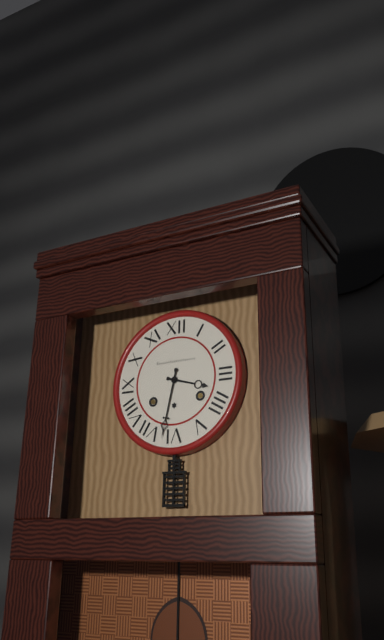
3:32
